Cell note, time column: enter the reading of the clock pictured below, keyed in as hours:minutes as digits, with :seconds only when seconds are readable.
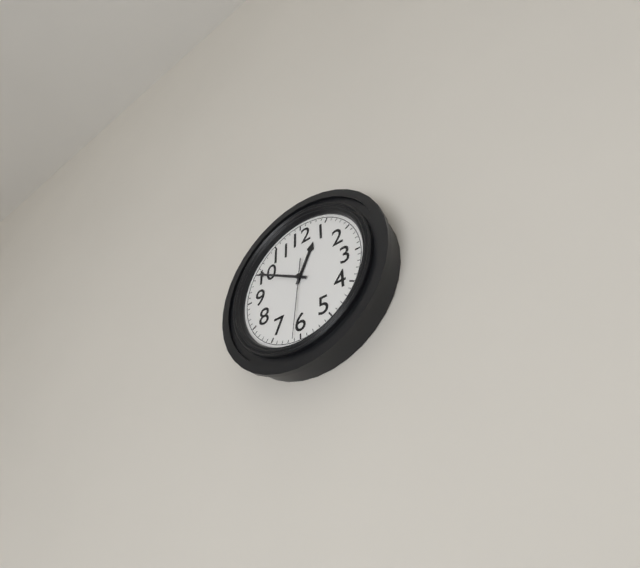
12:50:31
